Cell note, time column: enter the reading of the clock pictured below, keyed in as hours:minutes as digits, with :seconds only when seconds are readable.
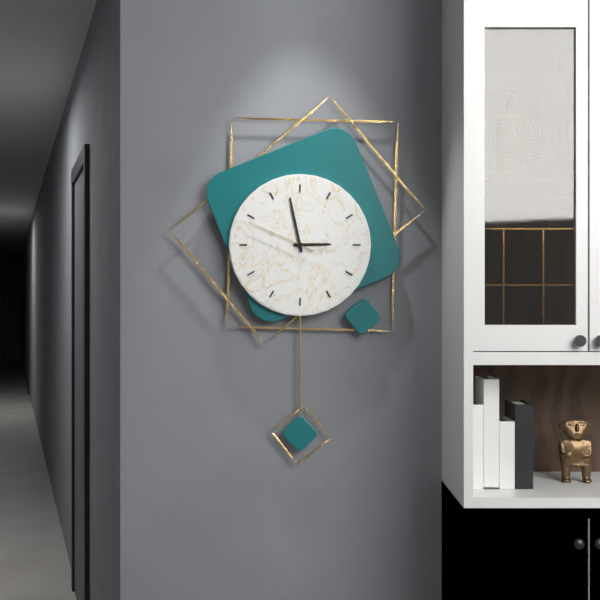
2:58:49
